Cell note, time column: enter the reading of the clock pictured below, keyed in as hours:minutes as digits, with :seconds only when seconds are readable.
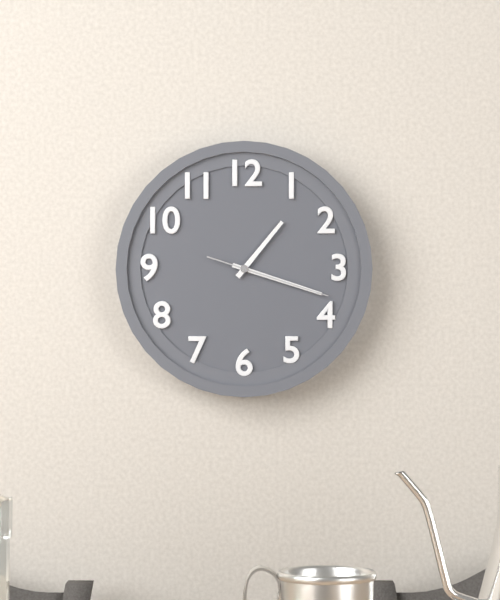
1:18:18
